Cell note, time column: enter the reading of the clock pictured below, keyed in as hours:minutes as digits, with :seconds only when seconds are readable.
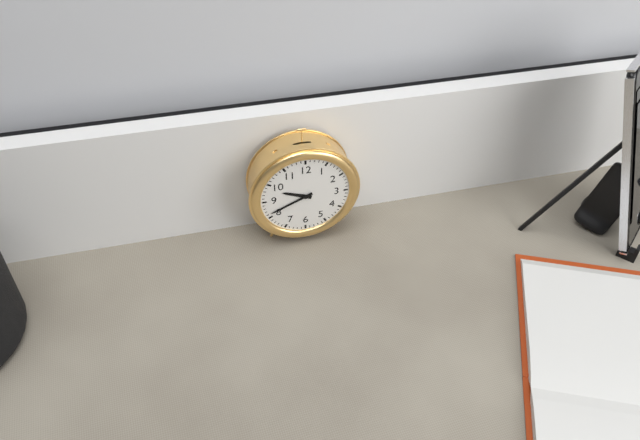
9:41
